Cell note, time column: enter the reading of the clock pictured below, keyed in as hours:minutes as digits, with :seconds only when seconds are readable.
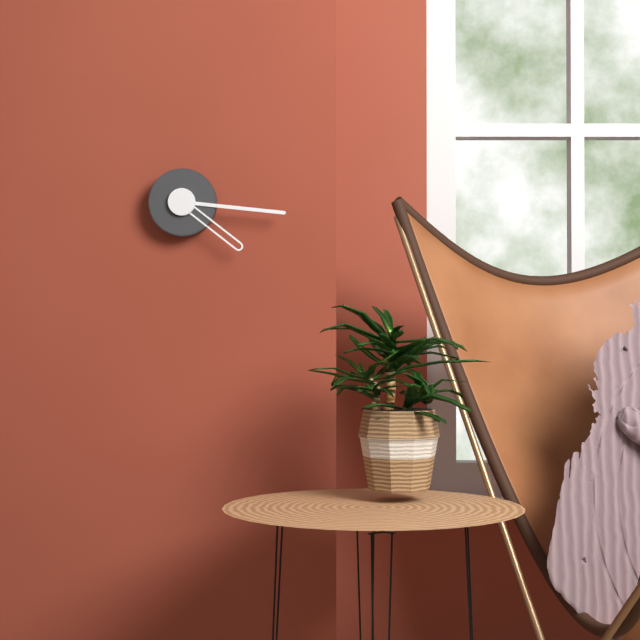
4:16
